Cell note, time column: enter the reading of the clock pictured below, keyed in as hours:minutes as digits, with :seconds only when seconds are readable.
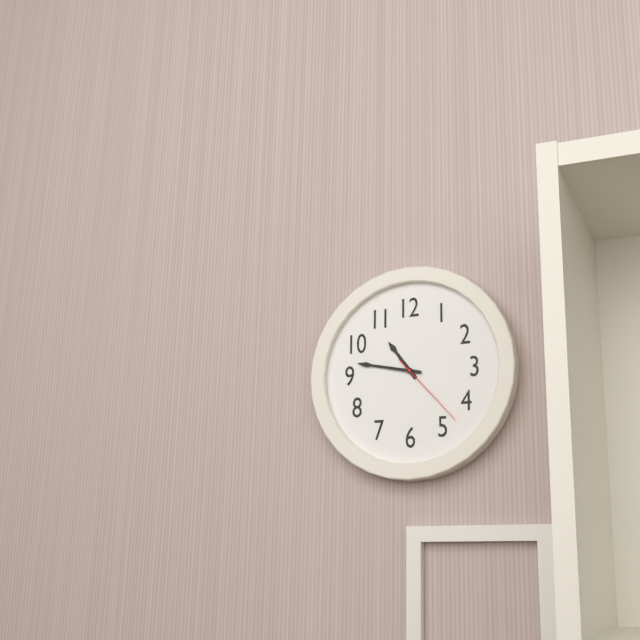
10:47:23
